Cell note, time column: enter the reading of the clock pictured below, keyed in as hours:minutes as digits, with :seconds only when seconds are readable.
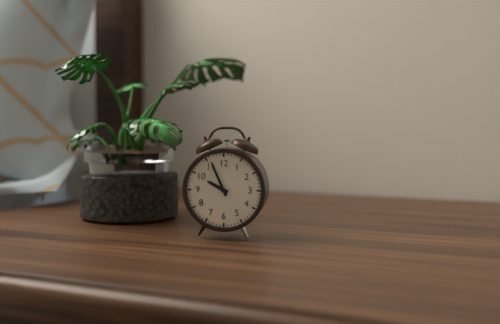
9:56
